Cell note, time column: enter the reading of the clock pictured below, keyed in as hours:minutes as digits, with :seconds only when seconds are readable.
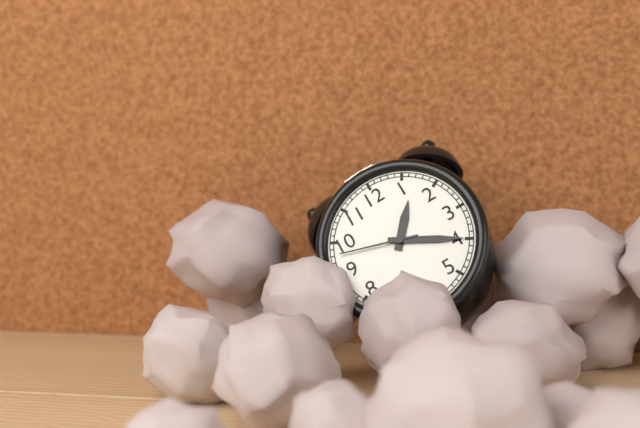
1:20:48
